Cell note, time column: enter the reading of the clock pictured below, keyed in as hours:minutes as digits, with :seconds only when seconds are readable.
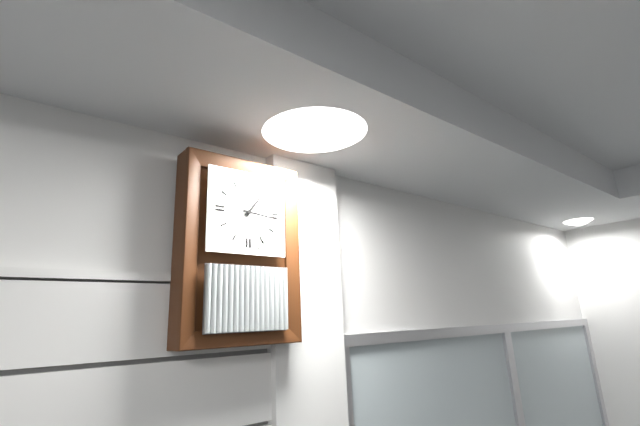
1:16
